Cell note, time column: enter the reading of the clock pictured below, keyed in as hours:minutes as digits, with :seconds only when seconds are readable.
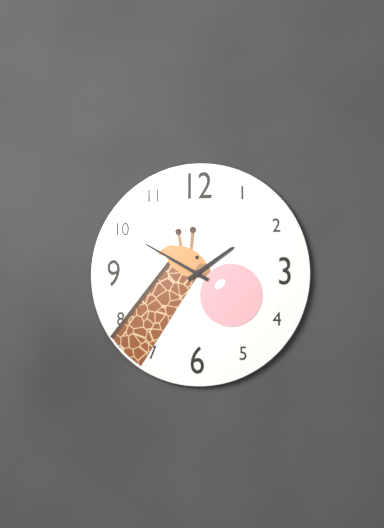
1:50
